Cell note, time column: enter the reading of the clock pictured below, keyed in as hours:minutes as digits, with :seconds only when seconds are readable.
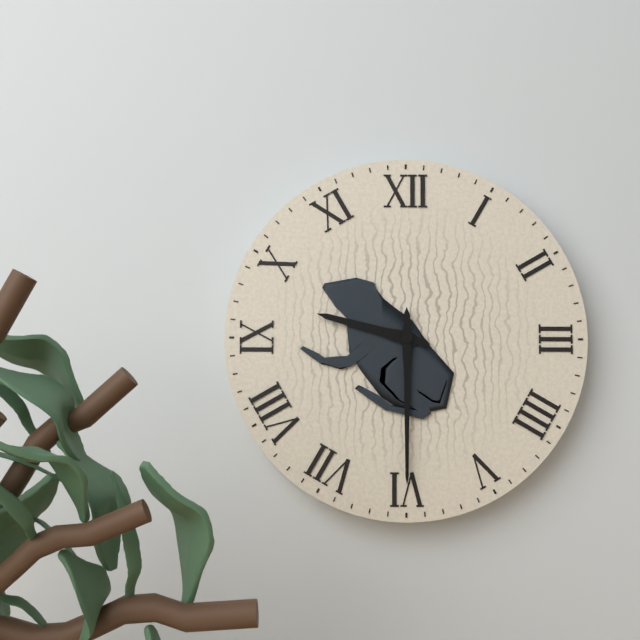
9:30
